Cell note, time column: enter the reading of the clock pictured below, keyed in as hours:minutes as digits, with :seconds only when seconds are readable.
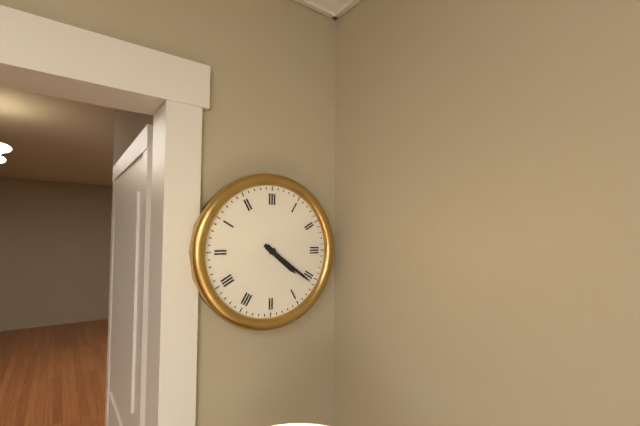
4:21
